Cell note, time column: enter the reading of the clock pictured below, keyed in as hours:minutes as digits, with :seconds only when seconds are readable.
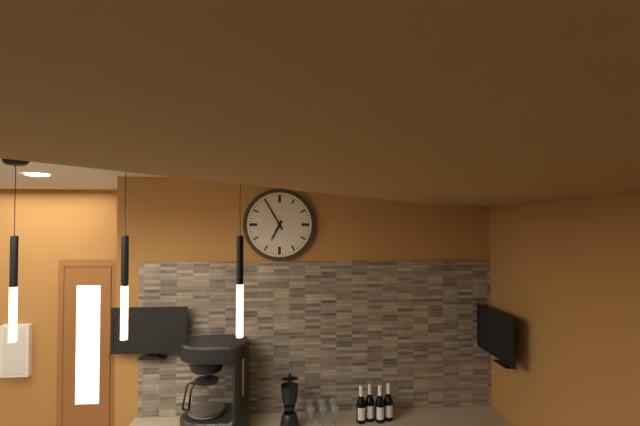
6:55
